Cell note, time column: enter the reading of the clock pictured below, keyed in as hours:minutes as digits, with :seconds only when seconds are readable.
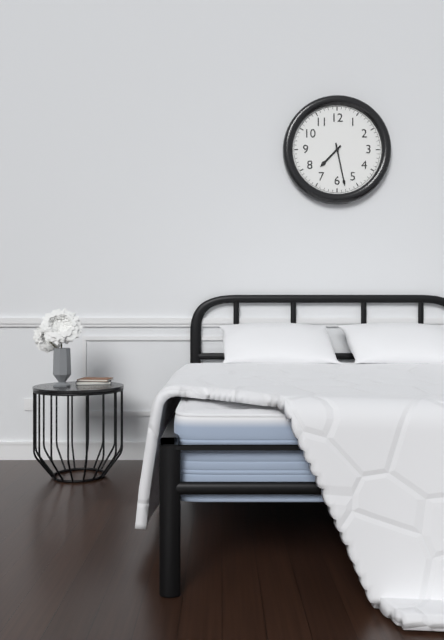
7:28
